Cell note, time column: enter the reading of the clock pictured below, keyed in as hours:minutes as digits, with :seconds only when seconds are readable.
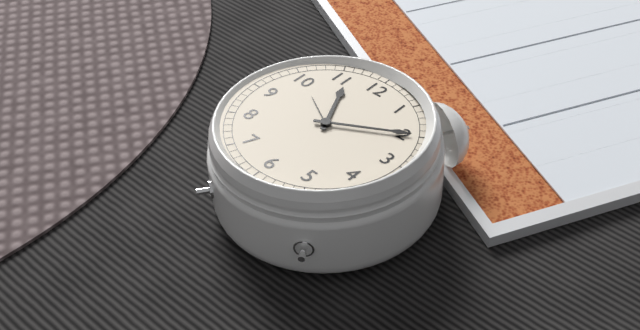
11:10
